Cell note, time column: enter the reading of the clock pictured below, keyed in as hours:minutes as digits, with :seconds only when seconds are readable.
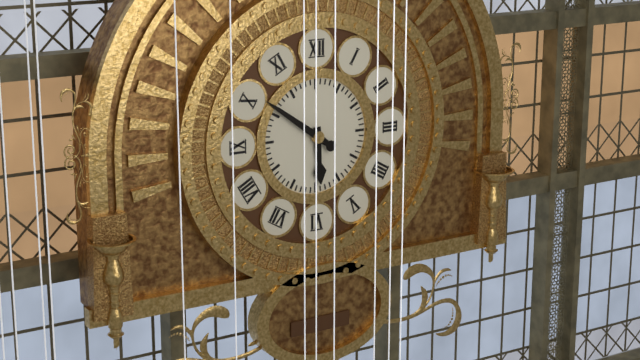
5:51
